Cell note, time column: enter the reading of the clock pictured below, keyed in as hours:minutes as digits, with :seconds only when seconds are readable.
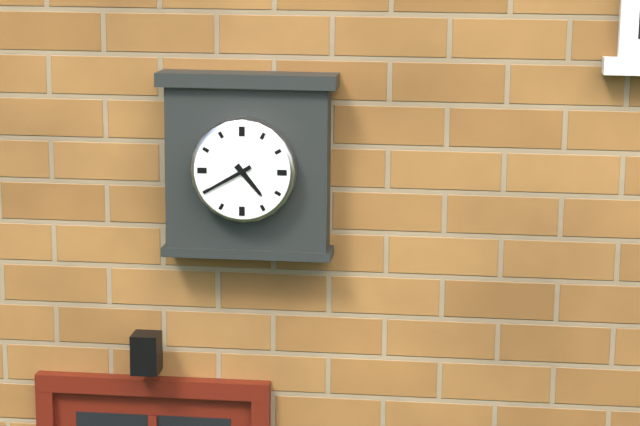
4:40
